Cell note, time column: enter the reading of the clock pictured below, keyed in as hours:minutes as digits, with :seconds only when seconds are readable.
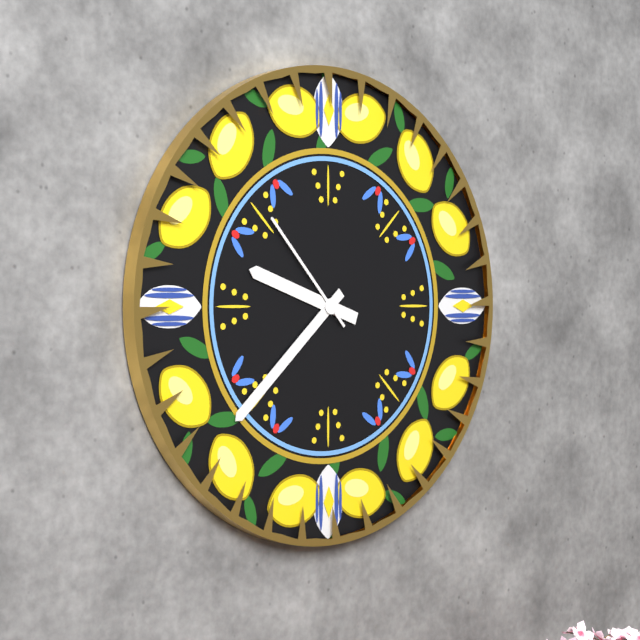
9:38:53
